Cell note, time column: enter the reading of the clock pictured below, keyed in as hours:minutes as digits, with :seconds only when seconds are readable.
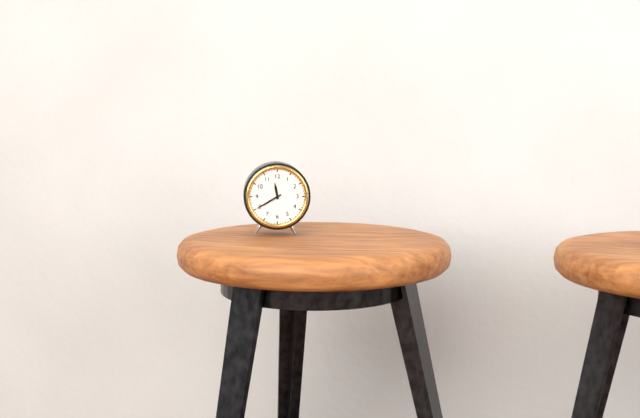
11:40
